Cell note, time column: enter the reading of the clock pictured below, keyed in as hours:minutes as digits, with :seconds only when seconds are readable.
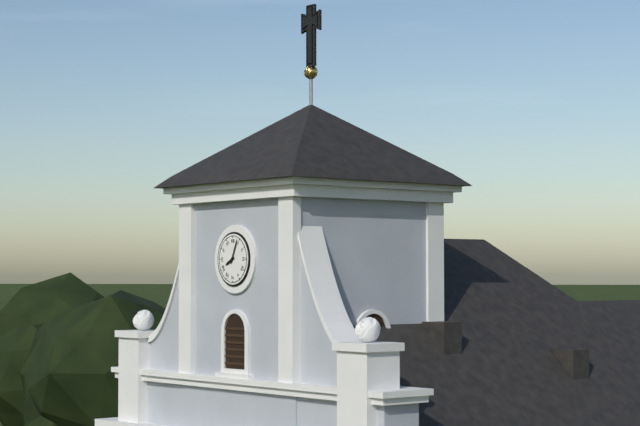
8:04
